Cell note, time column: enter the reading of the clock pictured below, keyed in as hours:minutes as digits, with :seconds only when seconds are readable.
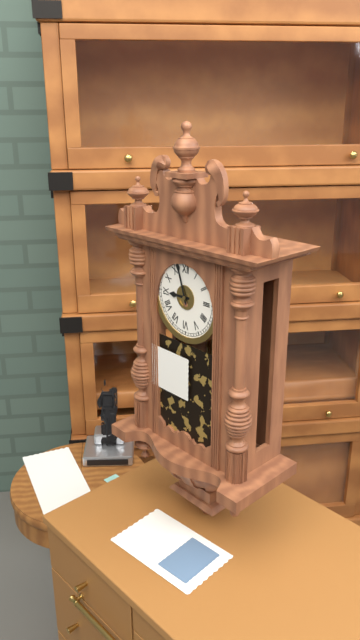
8:57
